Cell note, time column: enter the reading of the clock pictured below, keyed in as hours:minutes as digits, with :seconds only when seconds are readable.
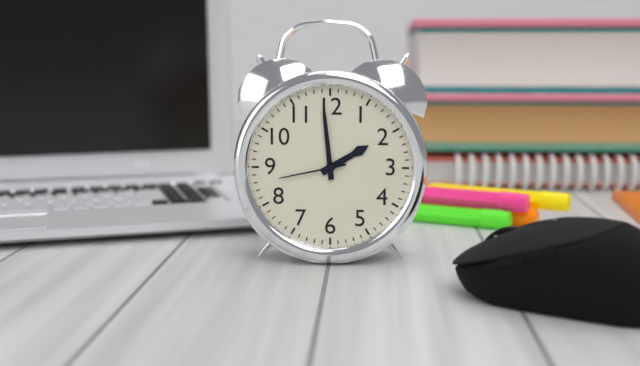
1:59:43
